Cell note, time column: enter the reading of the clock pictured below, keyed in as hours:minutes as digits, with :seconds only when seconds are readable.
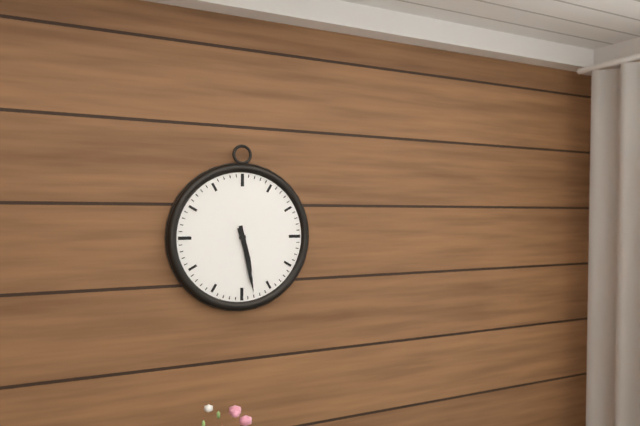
5:28
